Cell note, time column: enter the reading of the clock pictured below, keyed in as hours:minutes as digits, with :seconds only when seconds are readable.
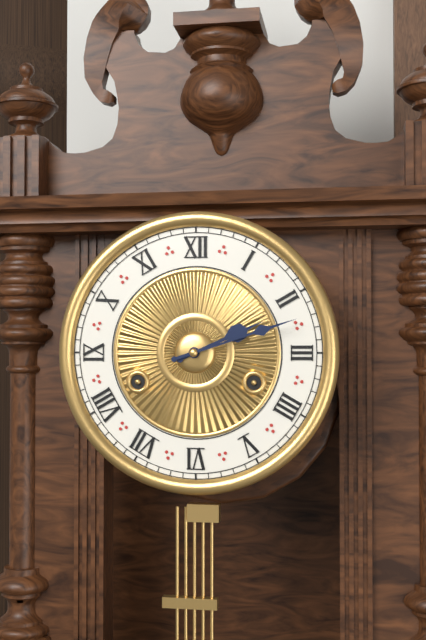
2:12
